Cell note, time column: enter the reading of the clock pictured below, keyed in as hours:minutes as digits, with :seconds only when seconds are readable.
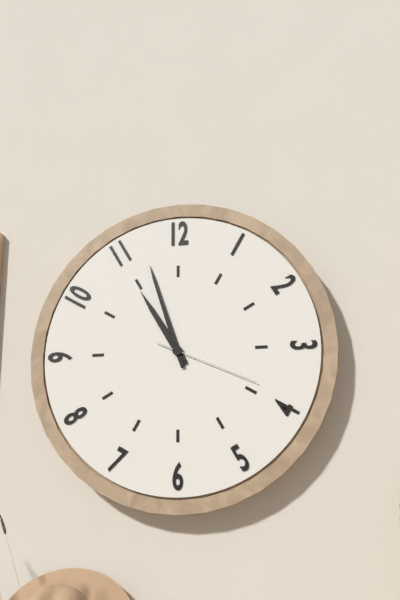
10:57:19
